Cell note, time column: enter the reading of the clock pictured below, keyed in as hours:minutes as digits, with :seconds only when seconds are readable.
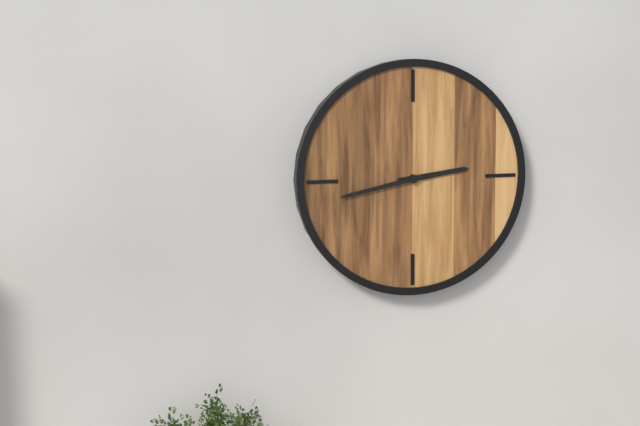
2:43
